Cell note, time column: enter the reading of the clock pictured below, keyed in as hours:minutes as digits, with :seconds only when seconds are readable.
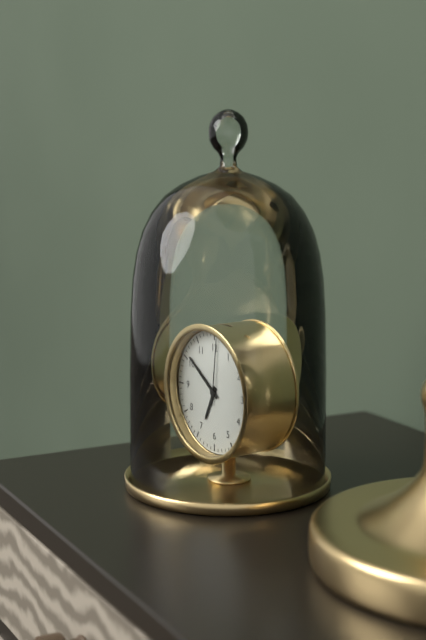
6:51:01
